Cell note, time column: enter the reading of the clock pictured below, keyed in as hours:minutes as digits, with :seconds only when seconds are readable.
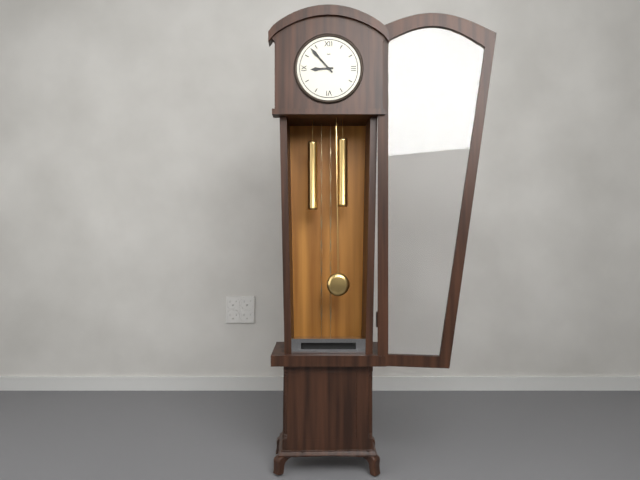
8:53
